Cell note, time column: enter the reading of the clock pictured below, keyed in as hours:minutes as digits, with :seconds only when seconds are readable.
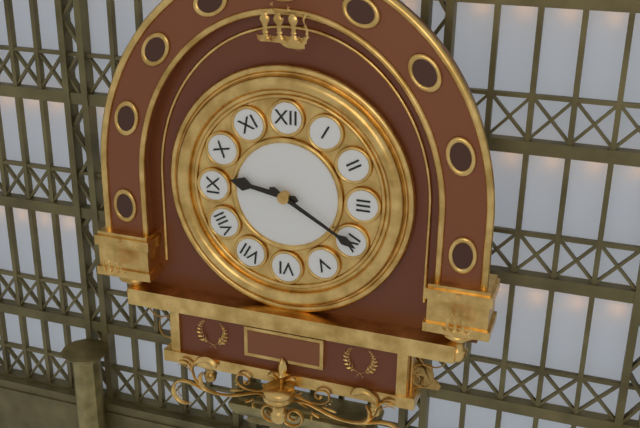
9:20
